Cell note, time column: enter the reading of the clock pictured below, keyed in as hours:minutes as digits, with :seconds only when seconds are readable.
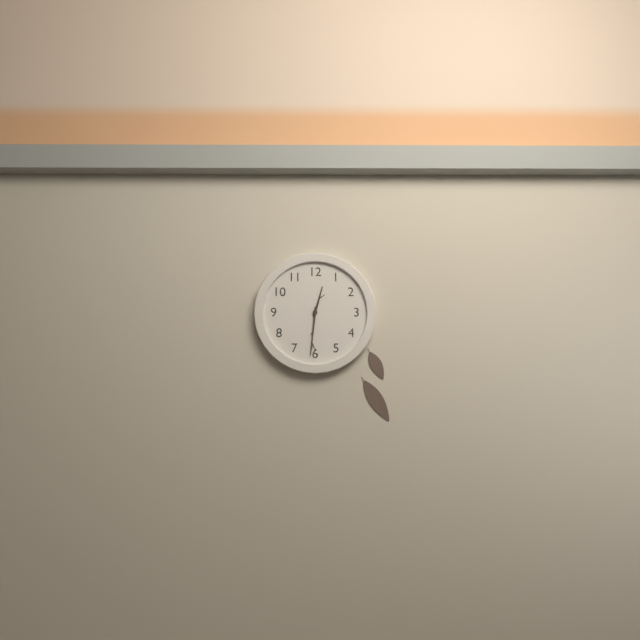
12:31
